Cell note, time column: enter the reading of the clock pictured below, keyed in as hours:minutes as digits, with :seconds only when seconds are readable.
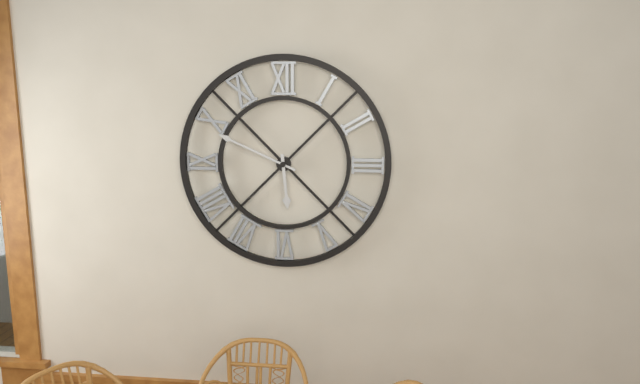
5:49
